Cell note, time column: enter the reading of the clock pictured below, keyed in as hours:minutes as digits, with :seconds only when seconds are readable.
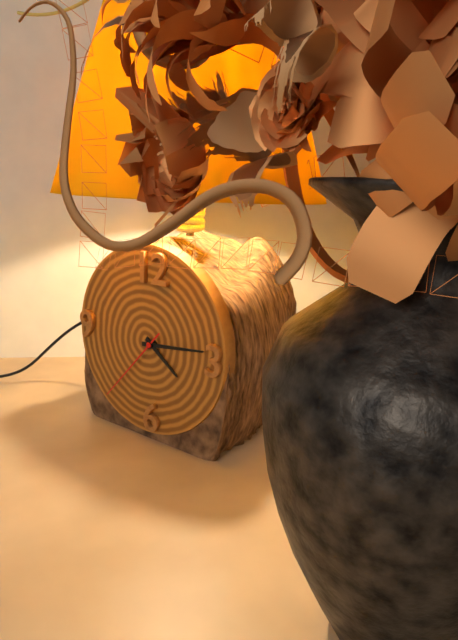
4:14:37
